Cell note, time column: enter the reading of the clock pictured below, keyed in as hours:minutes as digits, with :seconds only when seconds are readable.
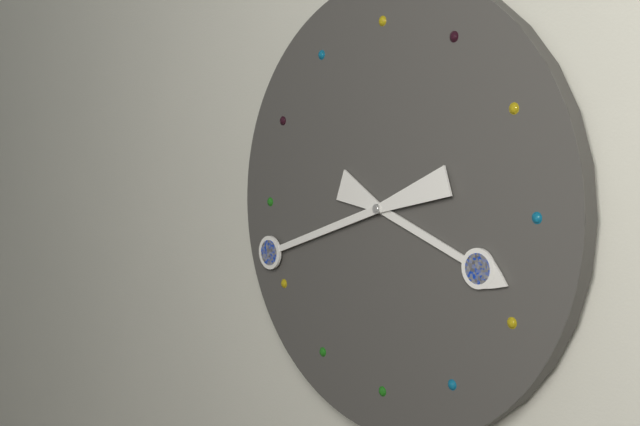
3:42
